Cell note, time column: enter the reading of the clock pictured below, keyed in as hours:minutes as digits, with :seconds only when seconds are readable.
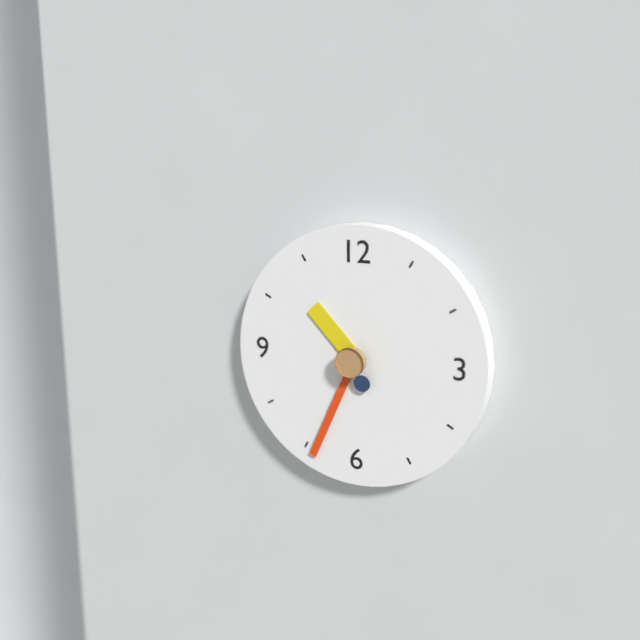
10:34
